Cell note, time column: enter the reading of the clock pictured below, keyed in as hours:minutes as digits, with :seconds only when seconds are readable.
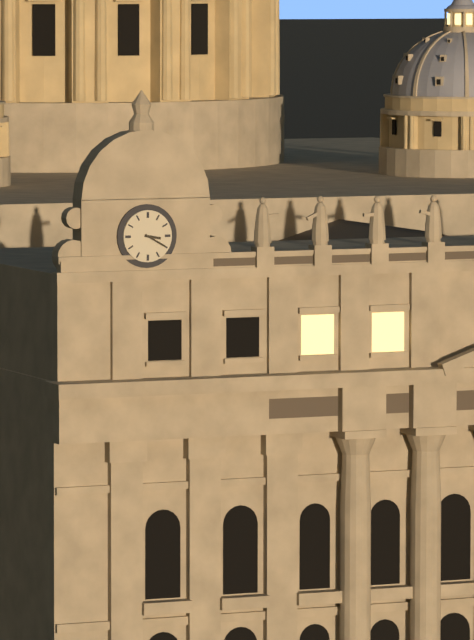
3:20
